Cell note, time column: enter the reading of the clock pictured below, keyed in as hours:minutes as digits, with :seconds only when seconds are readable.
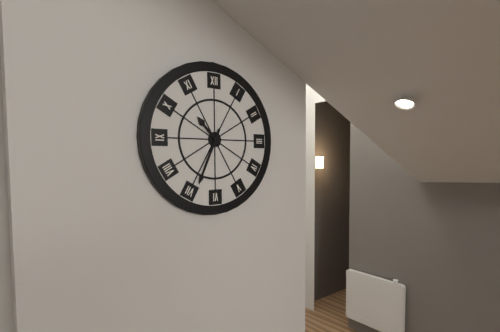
10:34
